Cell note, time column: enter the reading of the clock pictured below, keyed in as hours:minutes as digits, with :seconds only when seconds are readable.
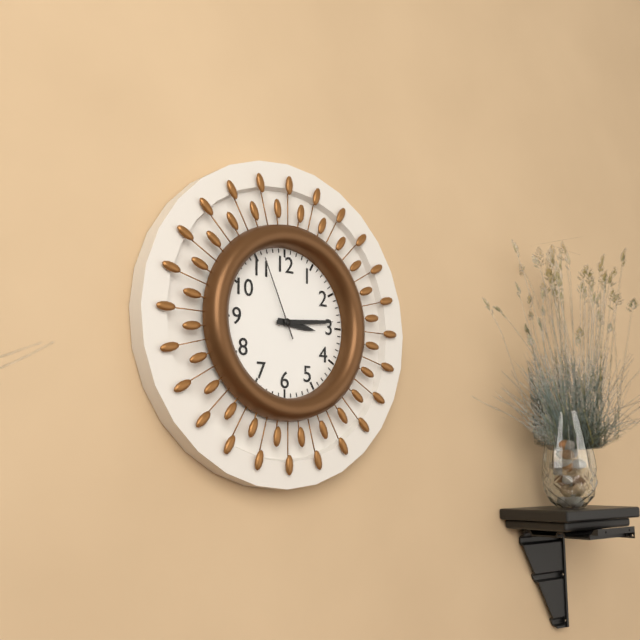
3:14:56
